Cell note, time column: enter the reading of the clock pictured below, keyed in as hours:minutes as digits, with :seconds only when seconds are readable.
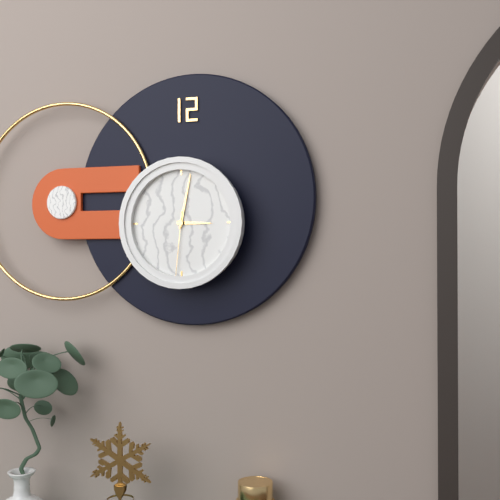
3:02:31
